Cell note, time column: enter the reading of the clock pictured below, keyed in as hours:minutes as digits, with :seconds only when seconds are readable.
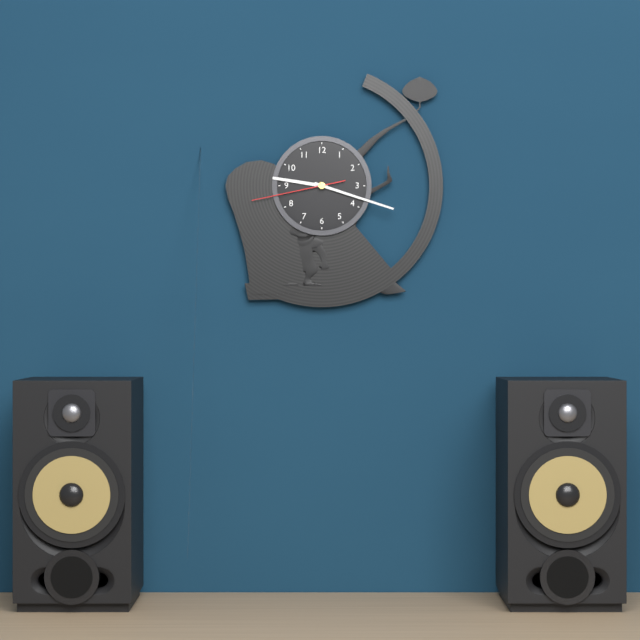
9:18:43
